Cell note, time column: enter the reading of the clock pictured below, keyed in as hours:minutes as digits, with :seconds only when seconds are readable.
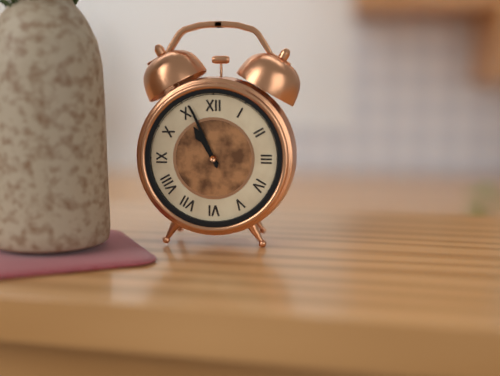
10:56
